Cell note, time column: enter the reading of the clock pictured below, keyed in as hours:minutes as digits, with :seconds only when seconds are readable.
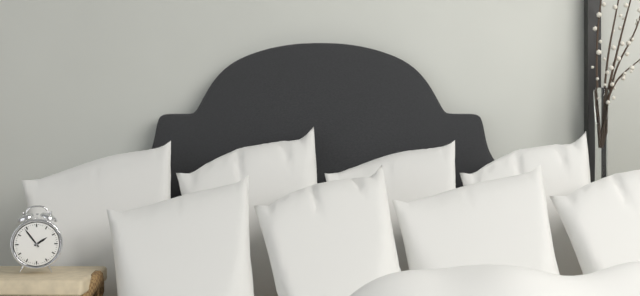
1:54
